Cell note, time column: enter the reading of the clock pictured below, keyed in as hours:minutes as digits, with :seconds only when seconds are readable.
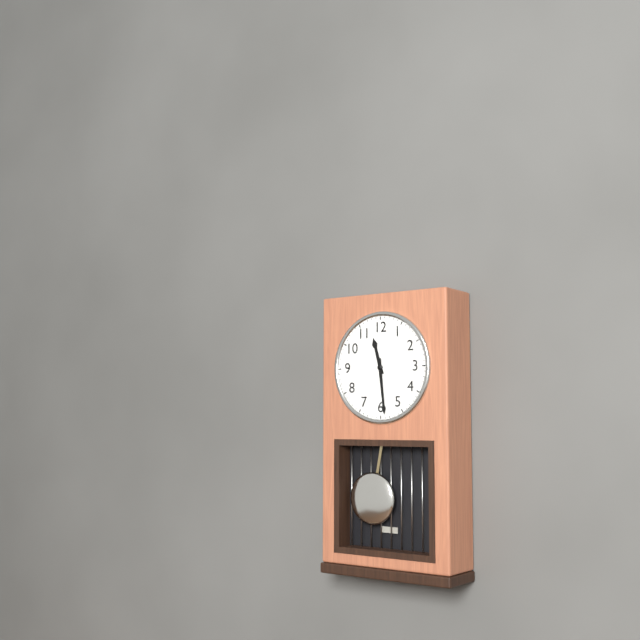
11:29
